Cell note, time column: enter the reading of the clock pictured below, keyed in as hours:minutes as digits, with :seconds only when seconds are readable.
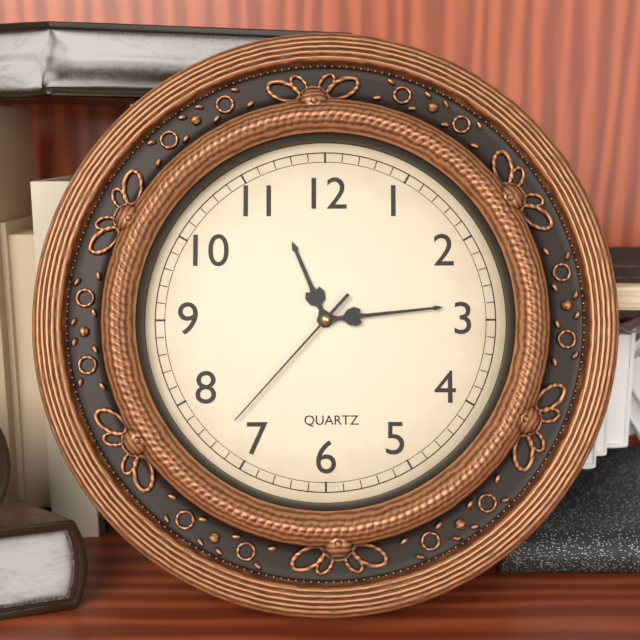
11:14:37
